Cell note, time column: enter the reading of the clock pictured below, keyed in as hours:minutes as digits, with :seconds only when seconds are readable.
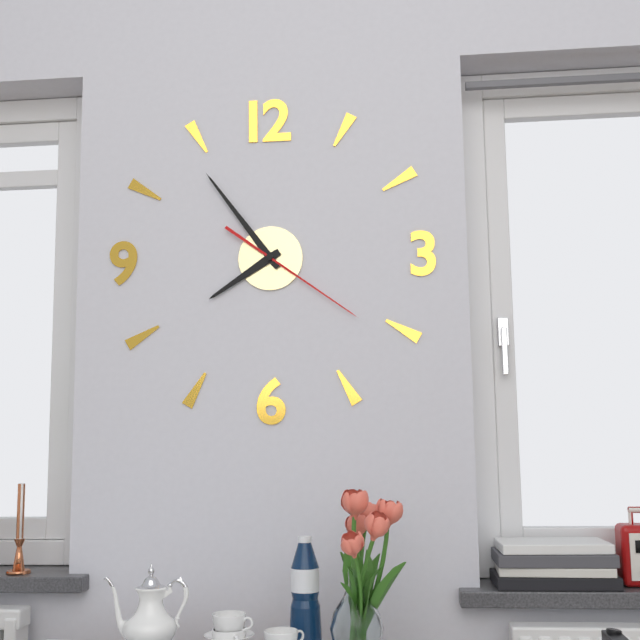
7:54:21
